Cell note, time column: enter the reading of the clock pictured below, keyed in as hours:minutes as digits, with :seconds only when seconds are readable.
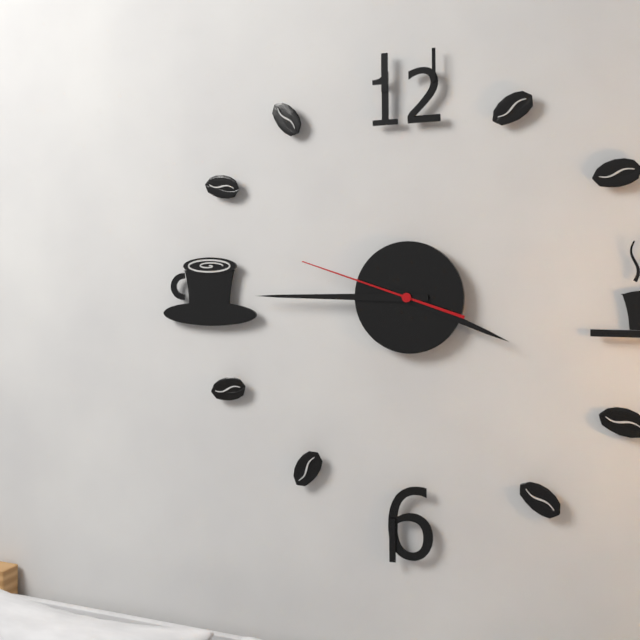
3:45:48
